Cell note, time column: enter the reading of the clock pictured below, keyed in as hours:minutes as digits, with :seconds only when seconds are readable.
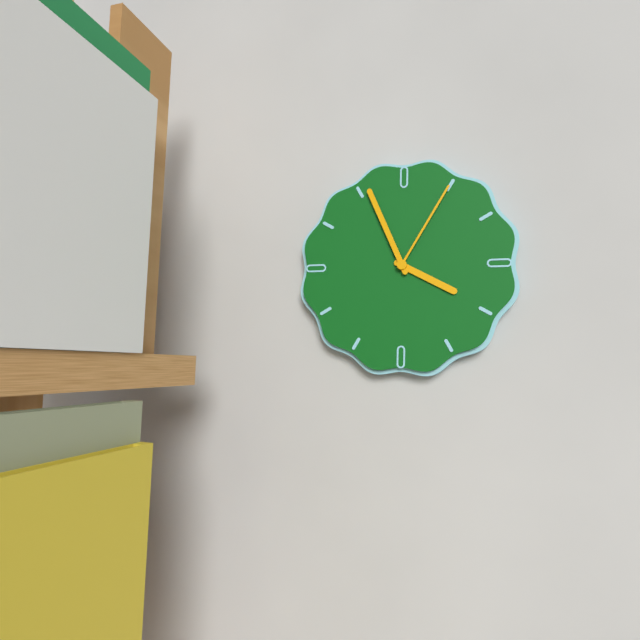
3:56:05
